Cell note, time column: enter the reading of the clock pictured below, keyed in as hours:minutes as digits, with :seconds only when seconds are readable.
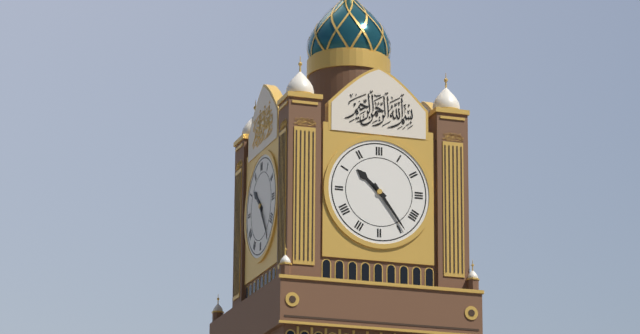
10:24
